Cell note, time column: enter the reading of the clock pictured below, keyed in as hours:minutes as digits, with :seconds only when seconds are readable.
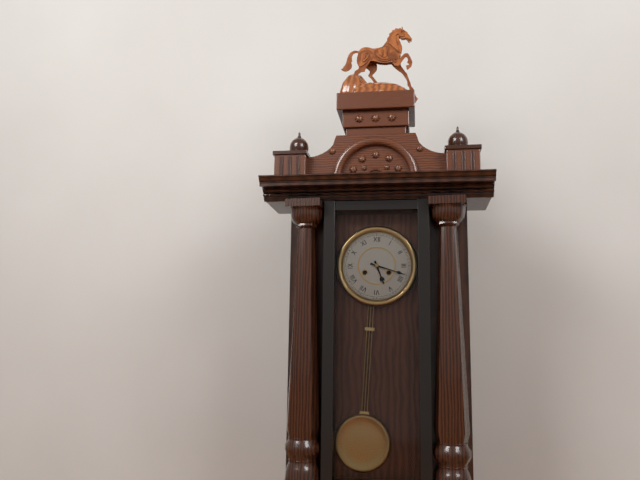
5:18
